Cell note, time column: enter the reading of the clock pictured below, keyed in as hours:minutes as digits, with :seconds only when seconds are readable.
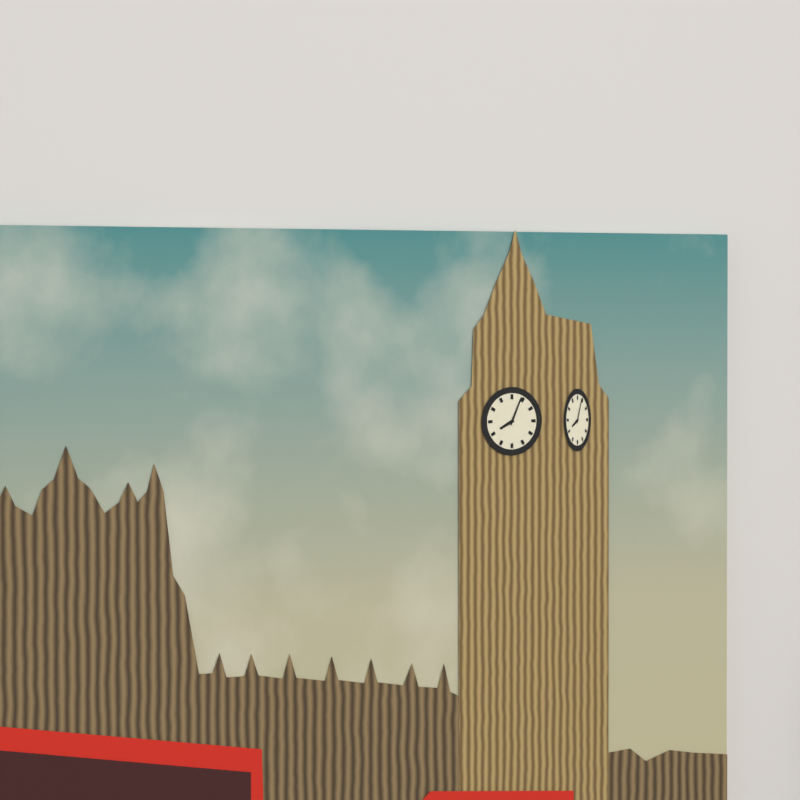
8:04
